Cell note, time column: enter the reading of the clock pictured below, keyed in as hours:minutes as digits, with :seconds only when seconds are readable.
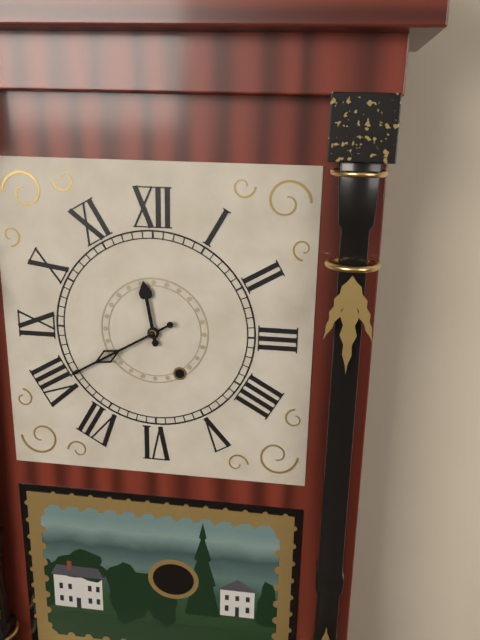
11:40
